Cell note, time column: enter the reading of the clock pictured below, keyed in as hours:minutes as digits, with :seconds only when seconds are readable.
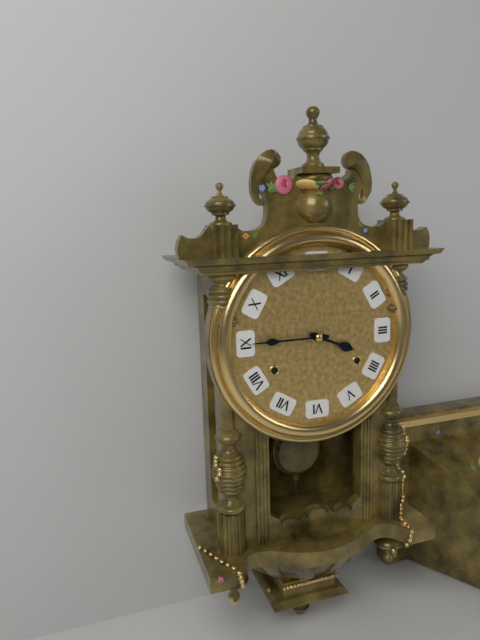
3:45
